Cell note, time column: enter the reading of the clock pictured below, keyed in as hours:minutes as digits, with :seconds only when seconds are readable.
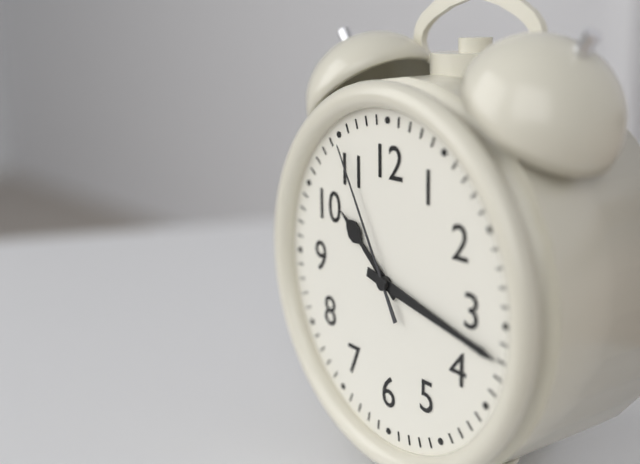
10:17:55
